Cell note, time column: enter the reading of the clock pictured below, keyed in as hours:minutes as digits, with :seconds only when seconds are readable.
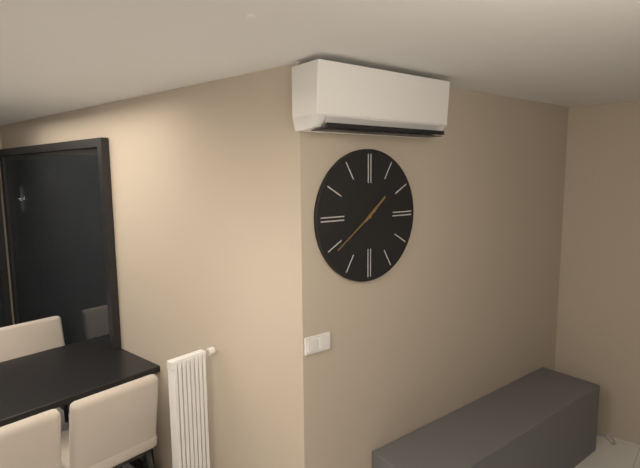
1:39
